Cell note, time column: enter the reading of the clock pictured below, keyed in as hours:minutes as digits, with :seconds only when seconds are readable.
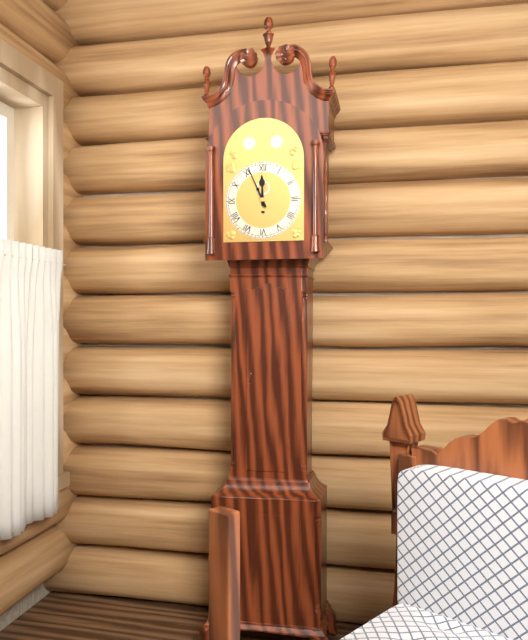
11:56
